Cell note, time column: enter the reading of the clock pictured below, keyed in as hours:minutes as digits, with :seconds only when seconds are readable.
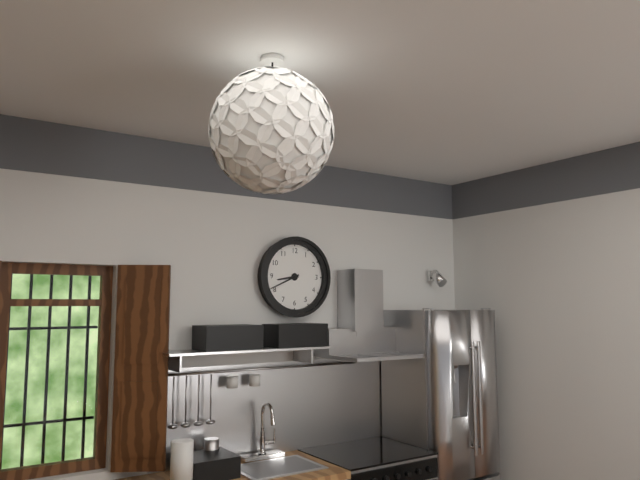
8:41
